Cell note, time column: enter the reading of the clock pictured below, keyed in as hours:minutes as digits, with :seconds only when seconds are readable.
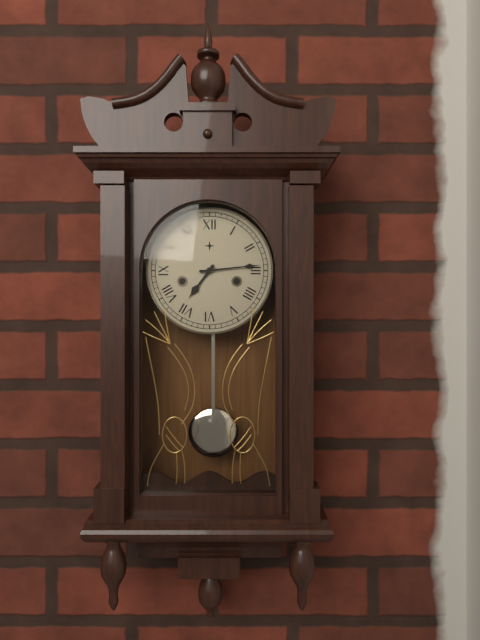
7:14
